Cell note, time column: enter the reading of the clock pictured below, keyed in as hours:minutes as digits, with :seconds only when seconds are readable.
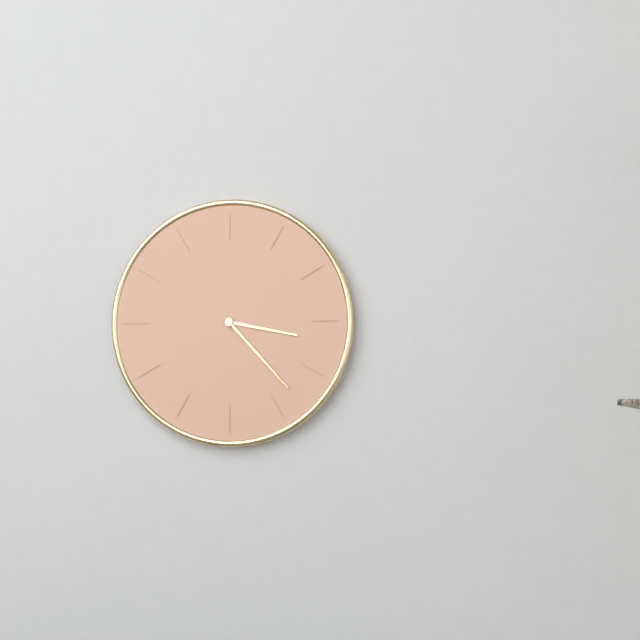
3:23
